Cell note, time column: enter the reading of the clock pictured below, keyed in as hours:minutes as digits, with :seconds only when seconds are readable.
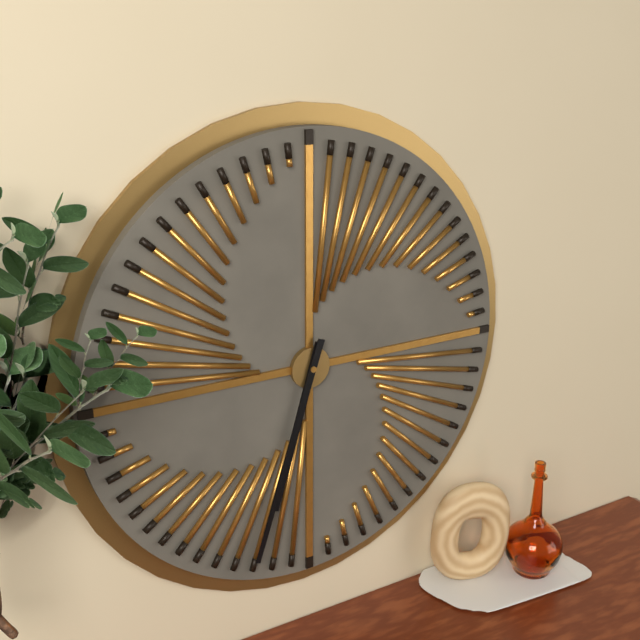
6:33
